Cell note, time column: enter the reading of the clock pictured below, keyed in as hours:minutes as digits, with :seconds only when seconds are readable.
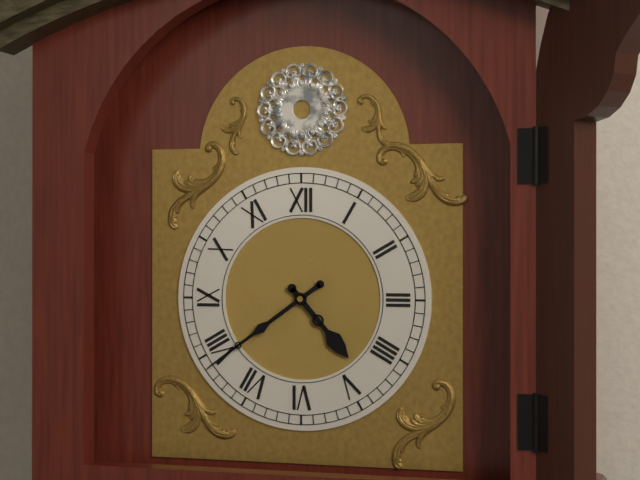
4:39
